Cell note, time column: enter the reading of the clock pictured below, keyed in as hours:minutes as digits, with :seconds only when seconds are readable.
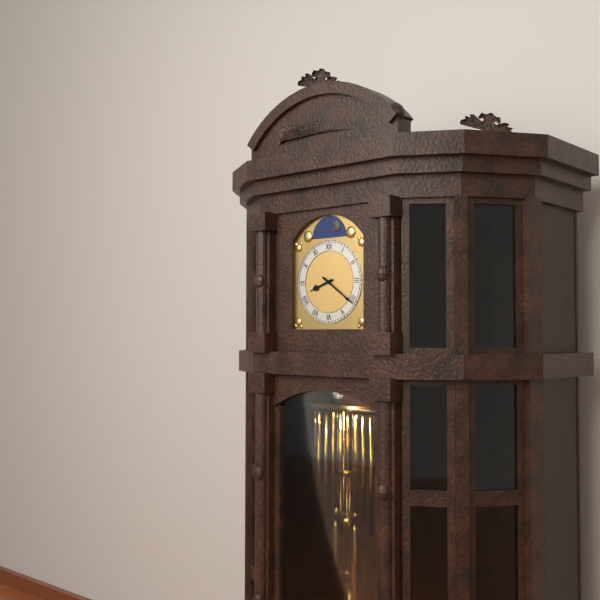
8:21
